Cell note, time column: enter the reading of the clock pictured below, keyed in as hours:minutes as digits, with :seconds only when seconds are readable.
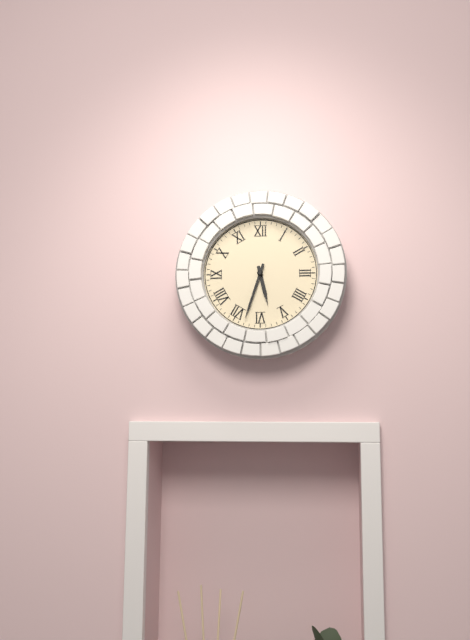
5:33
